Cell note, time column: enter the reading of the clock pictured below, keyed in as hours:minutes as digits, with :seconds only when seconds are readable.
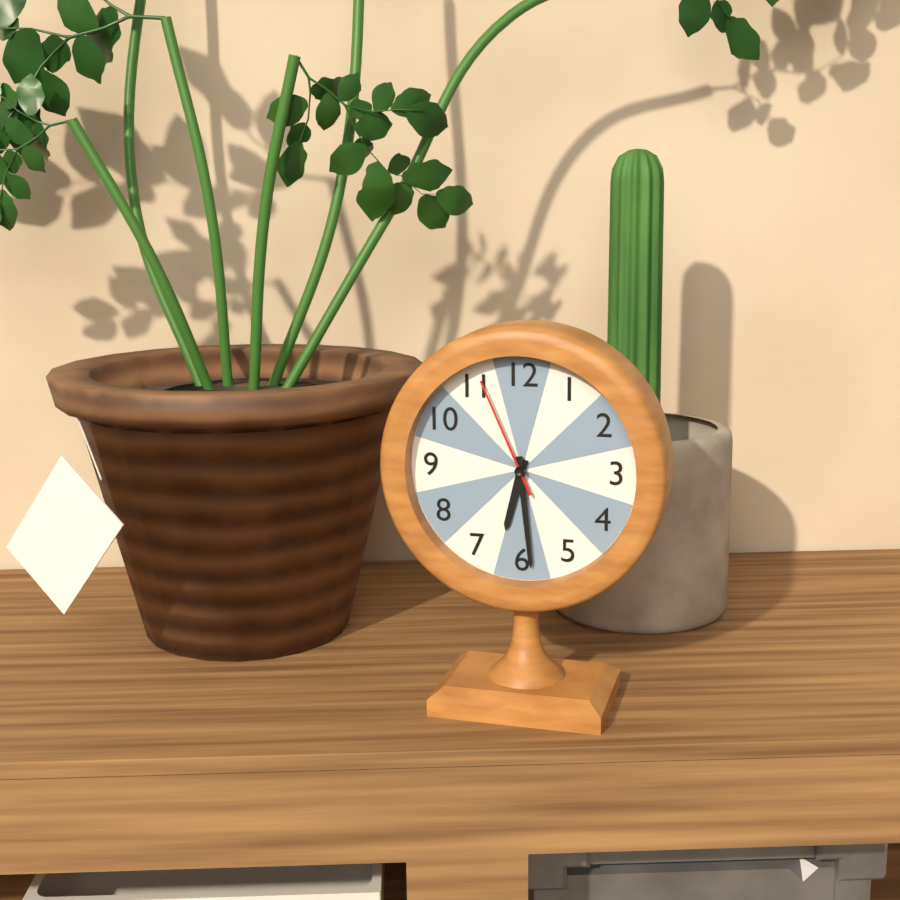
6:29:56
